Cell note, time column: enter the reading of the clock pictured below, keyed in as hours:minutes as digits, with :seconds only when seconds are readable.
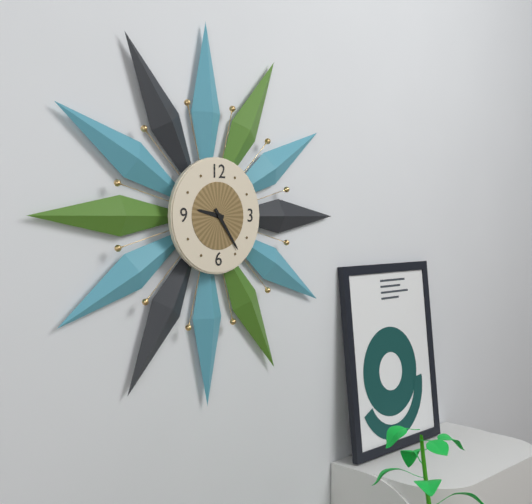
9:24
